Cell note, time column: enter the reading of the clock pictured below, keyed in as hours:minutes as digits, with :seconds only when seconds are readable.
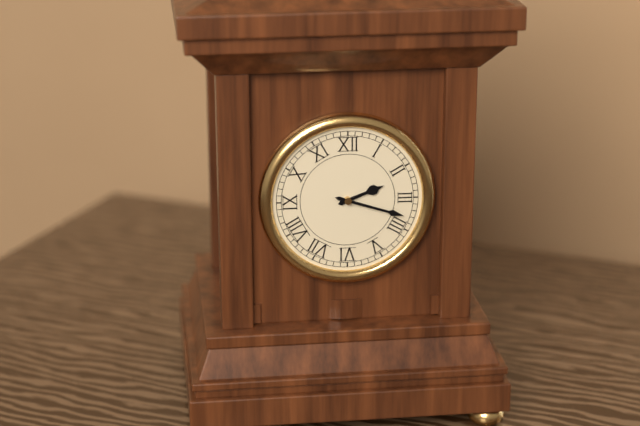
2:18
